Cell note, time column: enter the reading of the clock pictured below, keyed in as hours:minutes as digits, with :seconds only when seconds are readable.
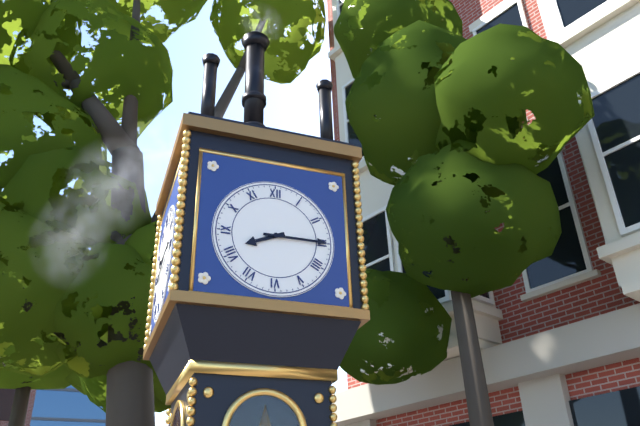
8:15
